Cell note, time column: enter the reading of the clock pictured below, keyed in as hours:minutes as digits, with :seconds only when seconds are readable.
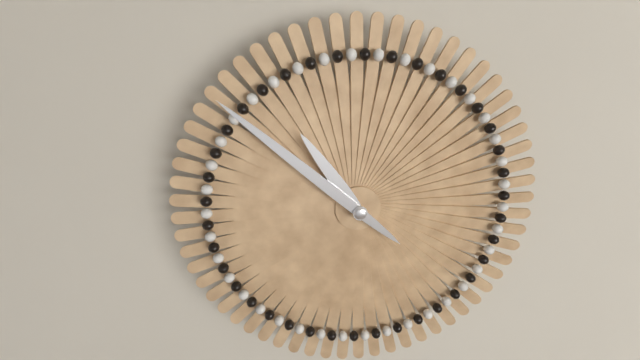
10:52
